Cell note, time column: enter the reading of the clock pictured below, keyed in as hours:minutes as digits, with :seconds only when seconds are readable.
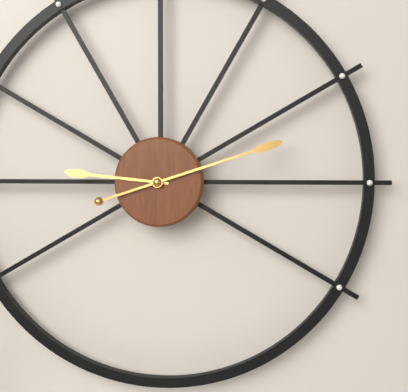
9:12
